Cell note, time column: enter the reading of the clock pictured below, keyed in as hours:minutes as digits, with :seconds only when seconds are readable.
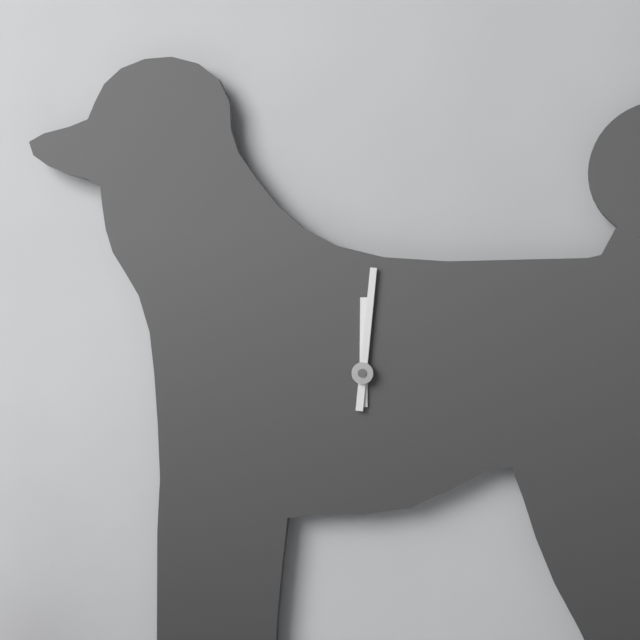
12:01
